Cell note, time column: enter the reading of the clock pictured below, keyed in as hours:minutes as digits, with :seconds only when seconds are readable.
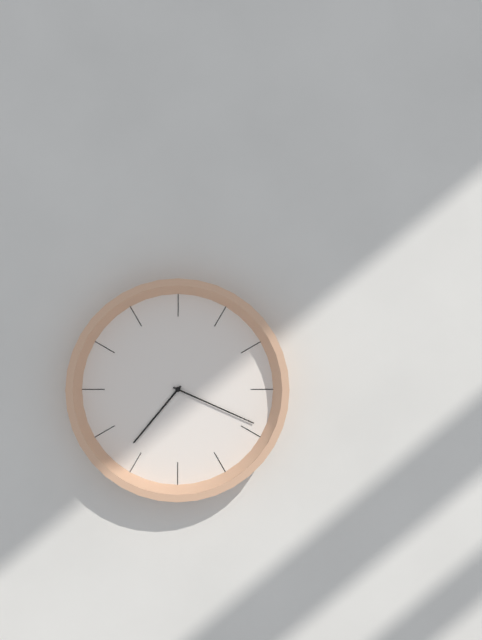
7:19
